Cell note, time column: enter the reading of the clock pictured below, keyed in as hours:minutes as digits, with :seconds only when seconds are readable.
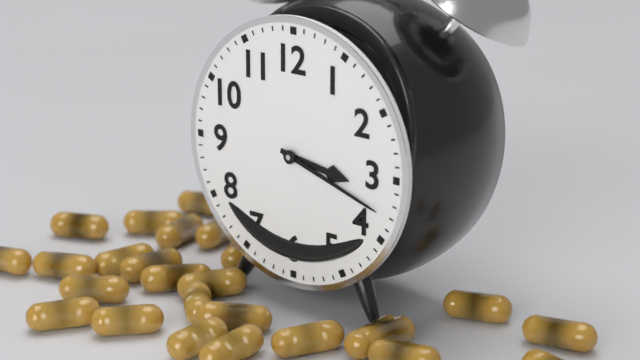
3:18
